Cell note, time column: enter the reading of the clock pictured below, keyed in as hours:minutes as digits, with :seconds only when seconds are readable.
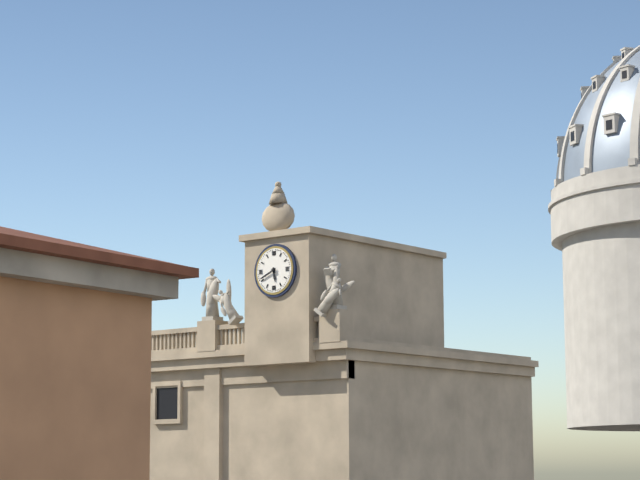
5:41
